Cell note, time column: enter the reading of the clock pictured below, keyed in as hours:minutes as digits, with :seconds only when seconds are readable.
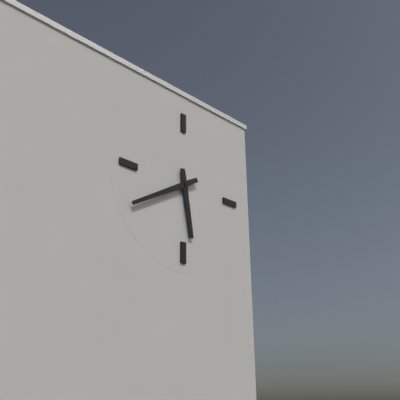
5:40
